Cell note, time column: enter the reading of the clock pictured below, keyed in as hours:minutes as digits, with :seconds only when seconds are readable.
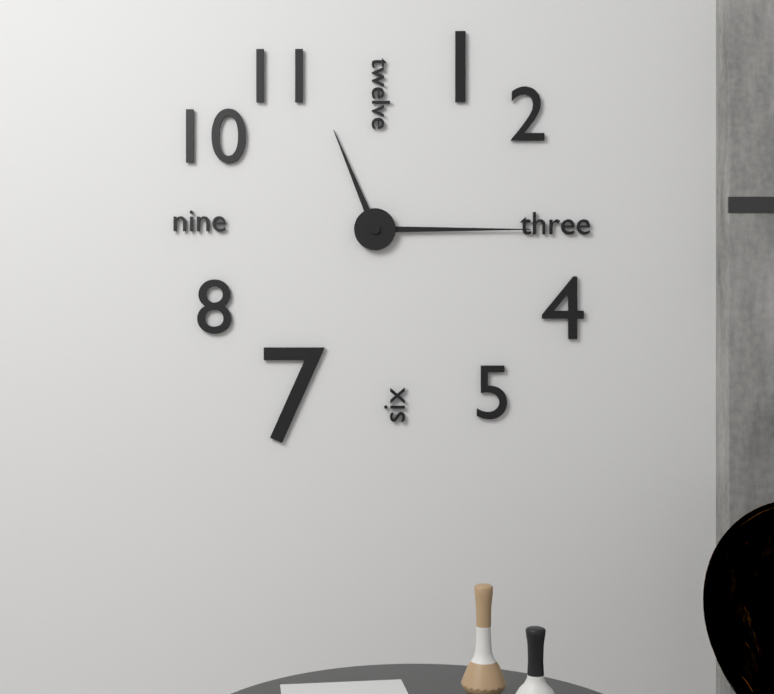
11:15
